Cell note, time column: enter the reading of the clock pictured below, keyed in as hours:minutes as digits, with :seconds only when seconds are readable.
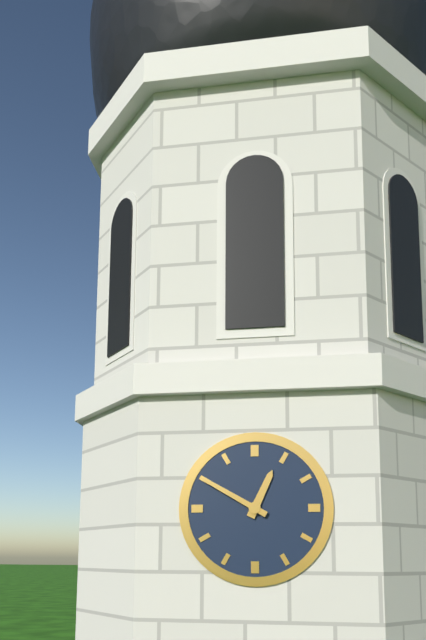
12:50
